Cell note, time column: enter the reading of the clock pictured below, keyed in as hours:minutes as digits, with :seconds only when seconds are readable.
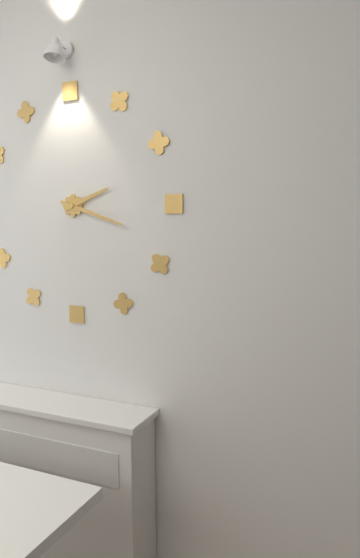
2:18
